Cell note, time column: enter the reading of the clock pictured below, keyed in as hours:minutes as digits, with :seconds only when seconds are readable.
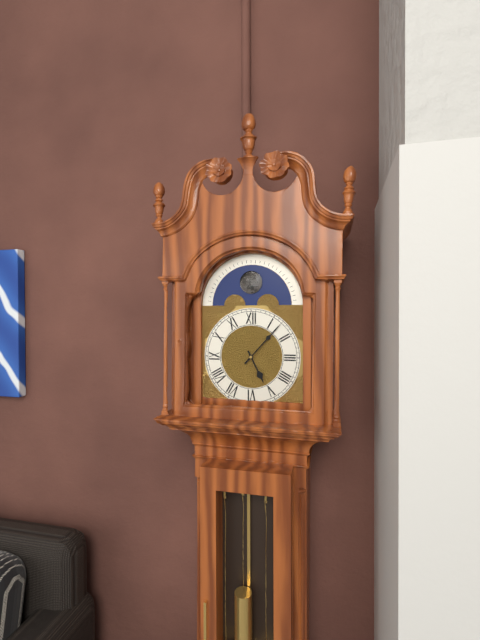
5:07
